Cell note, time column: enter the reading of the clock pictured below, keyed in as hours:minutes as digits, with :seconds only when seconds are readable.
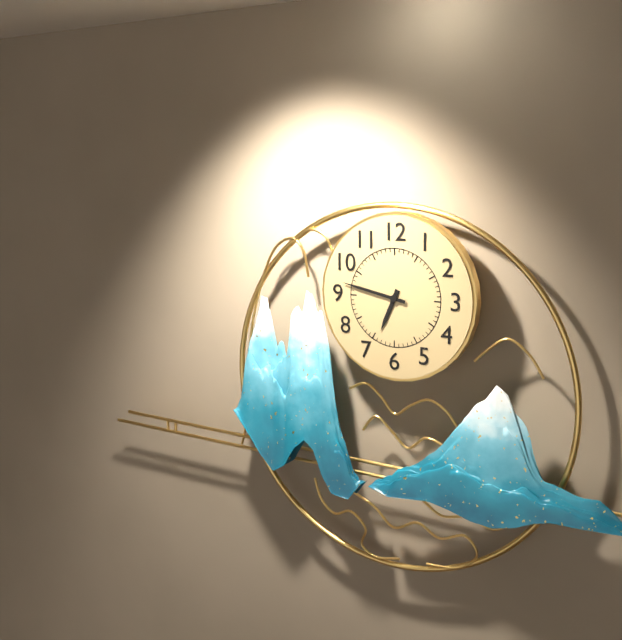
6:47
